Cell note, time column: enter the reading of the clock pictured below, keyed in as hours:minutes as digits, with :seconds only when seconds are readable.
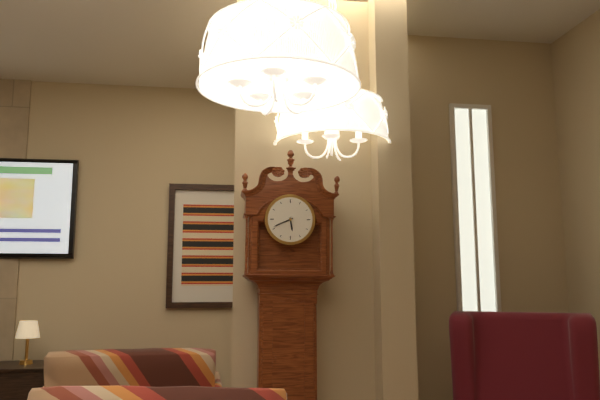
5:41
